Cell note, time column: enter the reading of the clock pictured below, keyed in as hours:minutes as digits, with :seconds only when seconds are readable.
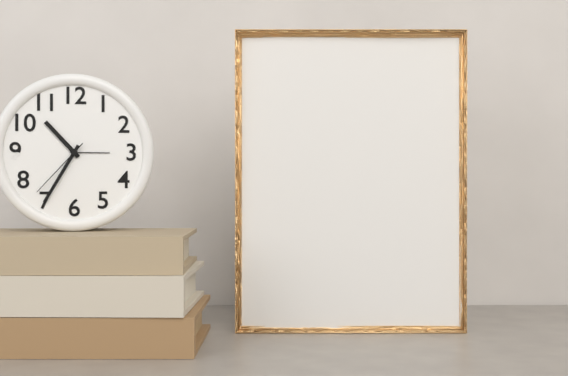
10:35:37
